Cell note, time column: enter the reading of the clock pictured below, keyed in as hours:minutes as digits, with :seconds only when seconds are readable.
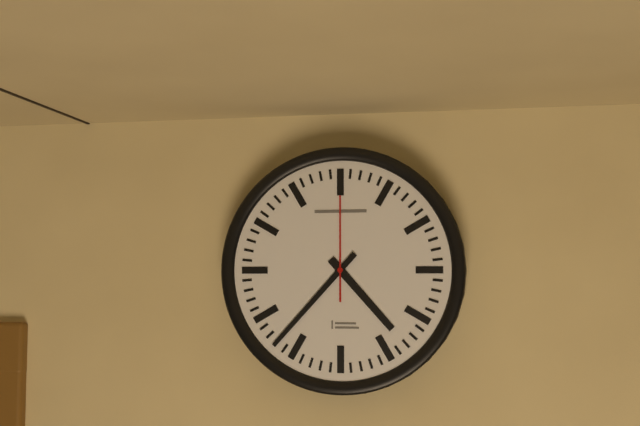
4:37:00
